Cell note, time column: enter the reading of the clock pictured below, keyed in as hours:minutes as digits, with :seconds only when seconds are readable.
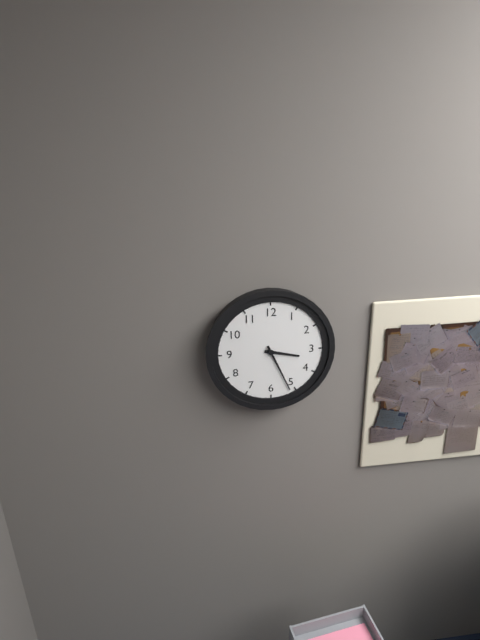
3:26
